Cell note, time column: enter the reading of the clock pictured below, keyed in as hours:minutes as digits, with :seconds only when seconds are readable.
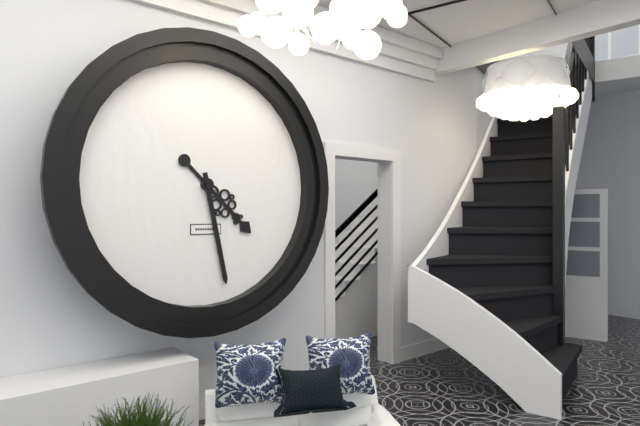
4:28
